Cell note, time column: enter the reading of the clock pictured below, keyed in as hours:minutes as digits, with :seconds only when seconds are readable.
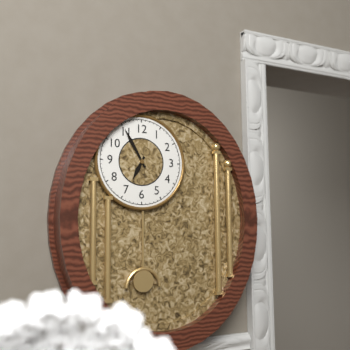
6:55
